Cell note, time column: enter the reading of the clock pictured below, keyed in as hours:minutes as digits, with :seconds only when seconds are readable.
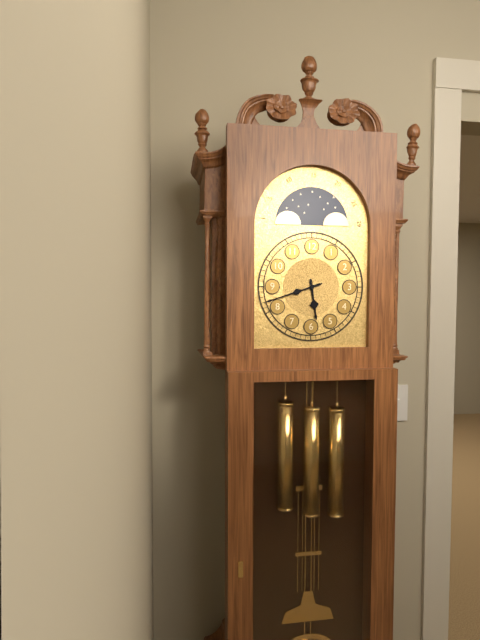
5:42
